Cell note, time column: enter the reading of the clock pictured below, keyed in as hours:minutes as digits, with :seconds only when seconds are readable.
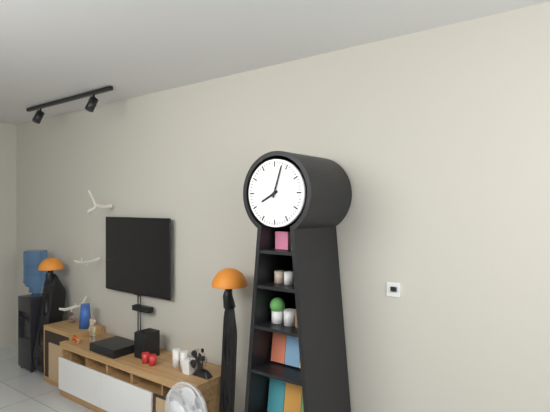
8:03
